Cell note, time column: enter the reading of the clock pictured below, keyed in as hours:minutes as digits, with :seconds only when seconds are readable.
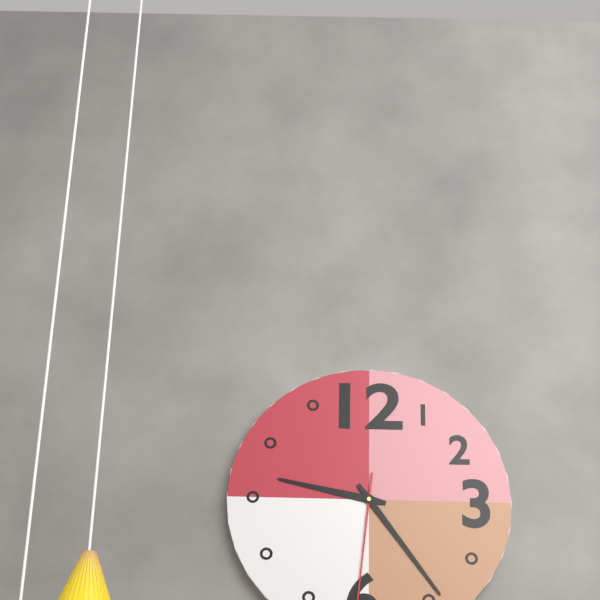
9:24
